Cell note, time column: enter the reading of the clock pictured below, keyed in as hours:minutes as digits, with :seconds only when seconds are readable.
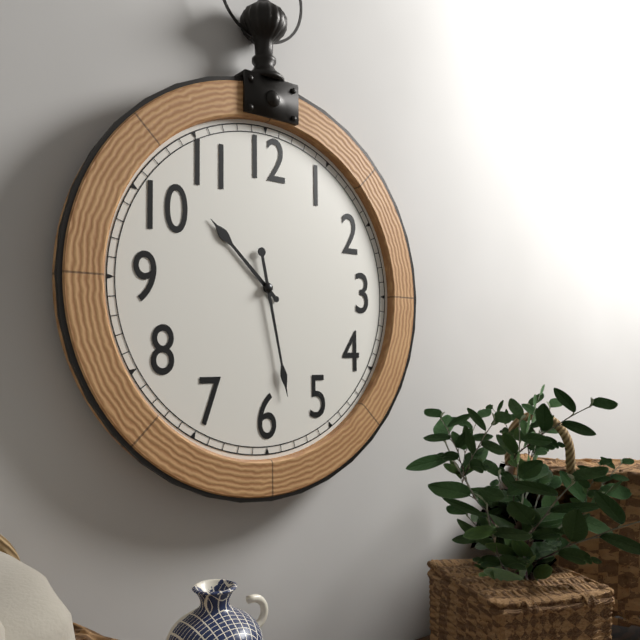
10:28
